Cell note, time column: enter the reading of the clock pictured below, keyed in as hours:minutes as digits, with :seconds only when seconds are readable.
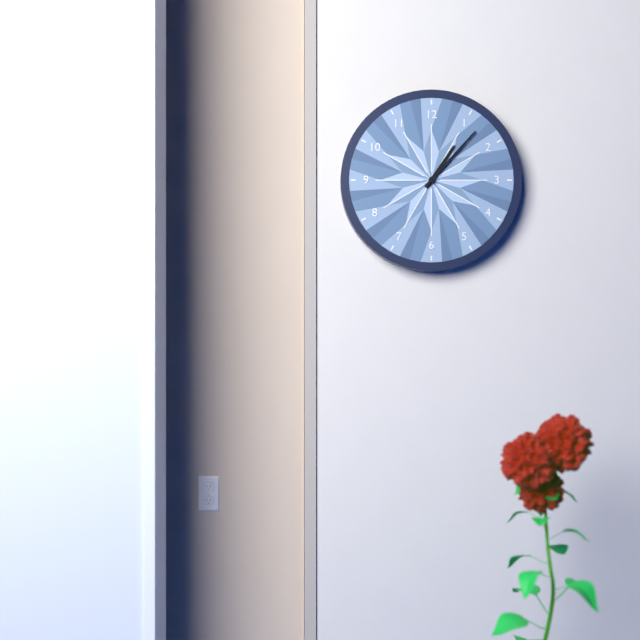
1:07
